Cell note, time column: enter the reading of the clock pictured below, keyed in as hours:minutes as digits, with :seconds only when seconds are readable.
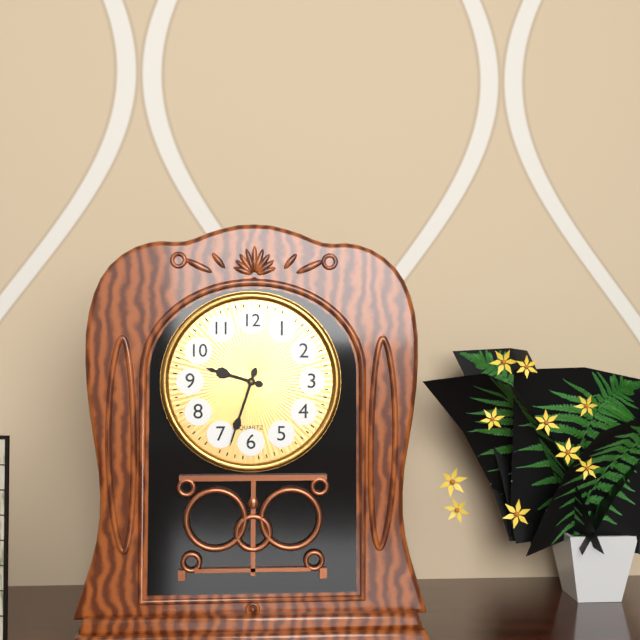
9:33
